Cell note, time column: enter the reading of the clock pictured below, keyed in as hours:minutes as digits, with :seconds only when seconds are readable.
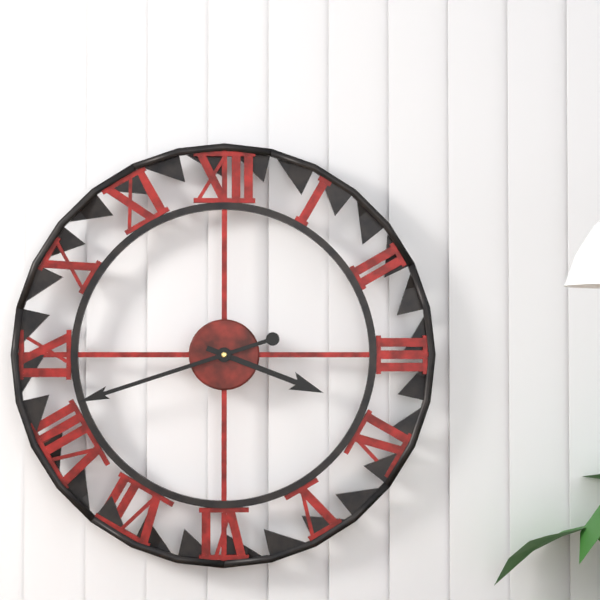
3:42
